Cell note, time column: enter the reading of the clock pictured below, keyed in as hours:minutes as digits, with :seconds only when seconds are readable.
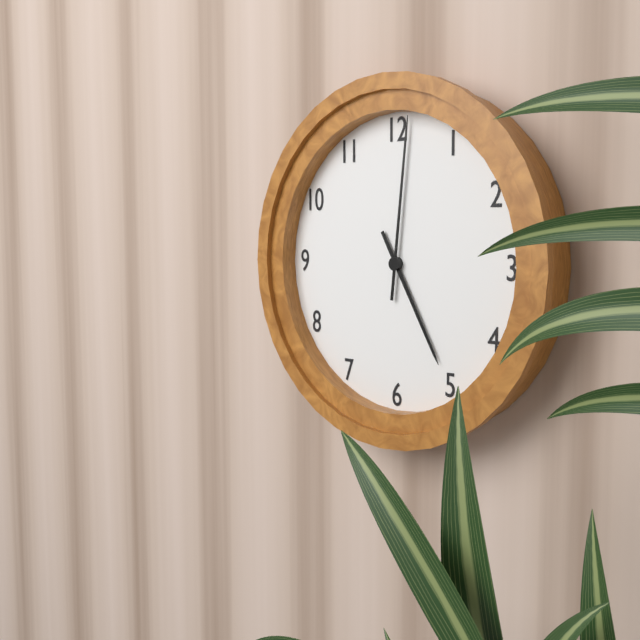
5:01
